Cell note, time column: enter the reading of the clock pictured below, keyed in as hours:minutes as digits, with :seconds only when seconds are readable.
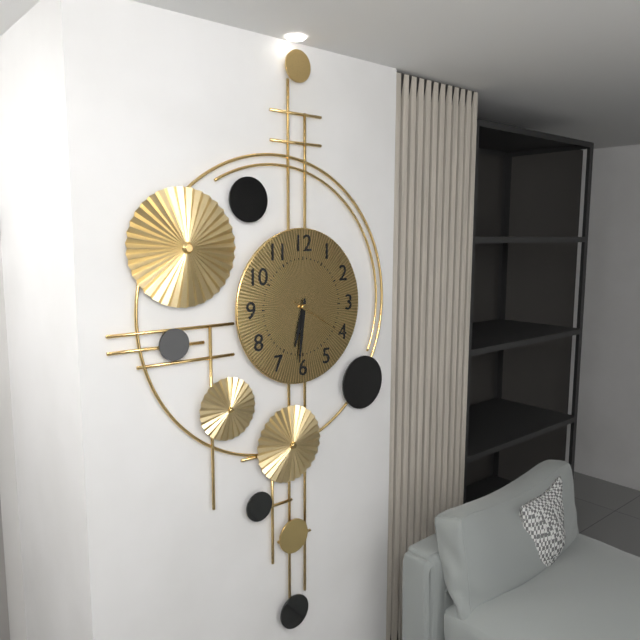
6:31:20
